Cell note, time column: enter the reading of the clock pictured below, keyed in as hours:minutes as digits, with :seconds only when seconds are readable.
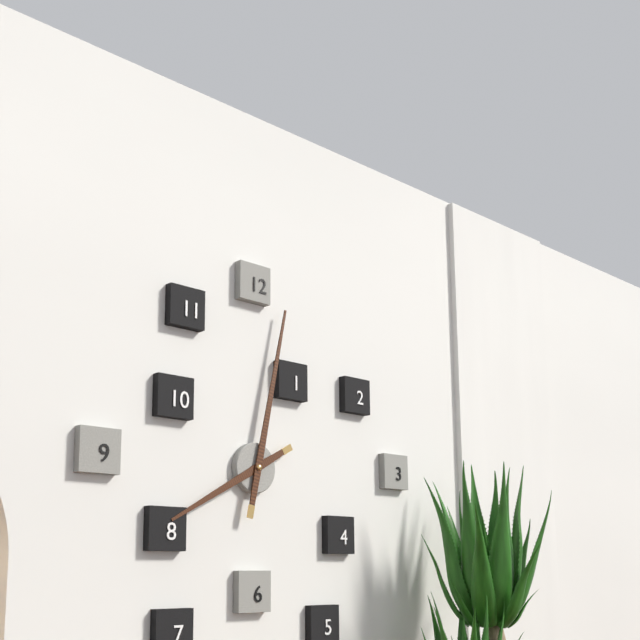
8:02
